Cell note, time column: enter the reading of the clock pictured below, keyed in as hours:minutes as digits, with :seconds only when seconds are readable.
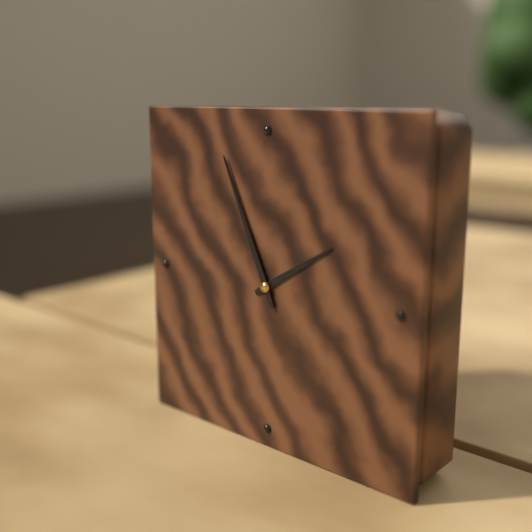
1:56
